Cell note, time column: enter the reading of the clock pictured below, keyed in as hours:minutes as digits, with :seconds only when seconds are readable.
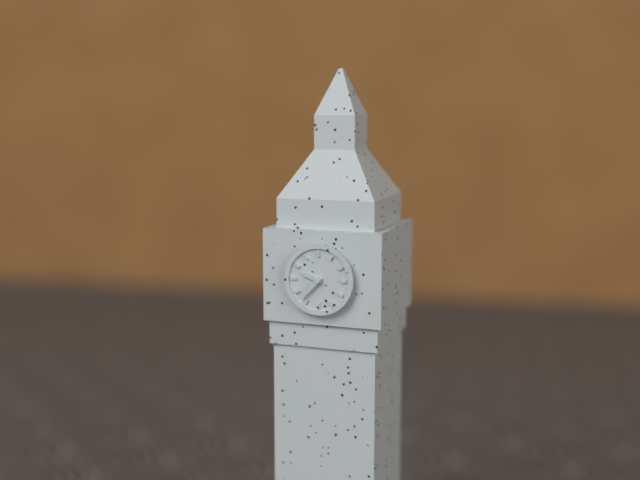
9:37
